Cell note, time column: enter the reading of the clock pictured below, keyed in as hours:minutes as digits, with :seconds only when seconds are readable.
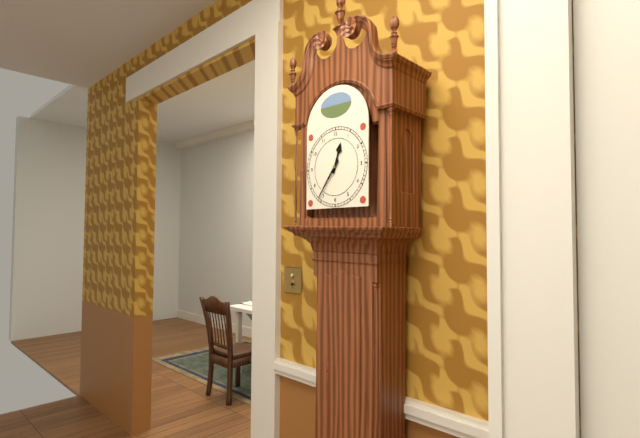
12:36
